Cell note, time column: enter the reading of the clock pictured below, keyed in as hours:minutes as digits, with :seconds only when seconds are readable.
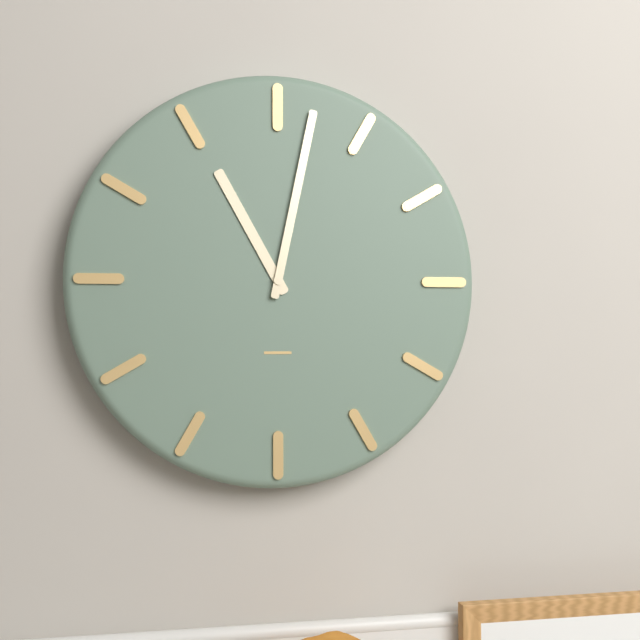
11:02
